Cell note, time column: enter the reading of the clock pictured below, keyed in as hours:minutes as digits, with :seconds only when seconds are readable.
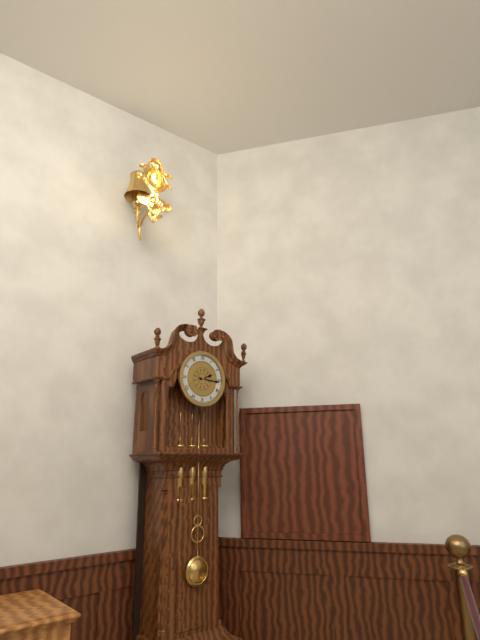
2:16
